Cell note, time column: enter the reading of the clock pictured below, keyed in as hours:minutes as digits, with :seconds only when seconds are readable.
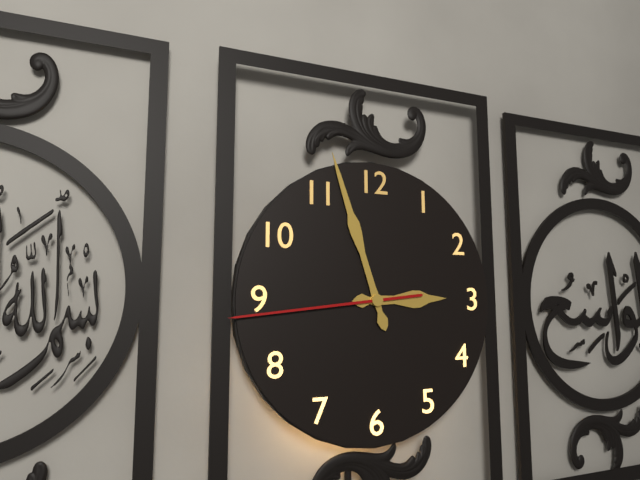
2:57:44
